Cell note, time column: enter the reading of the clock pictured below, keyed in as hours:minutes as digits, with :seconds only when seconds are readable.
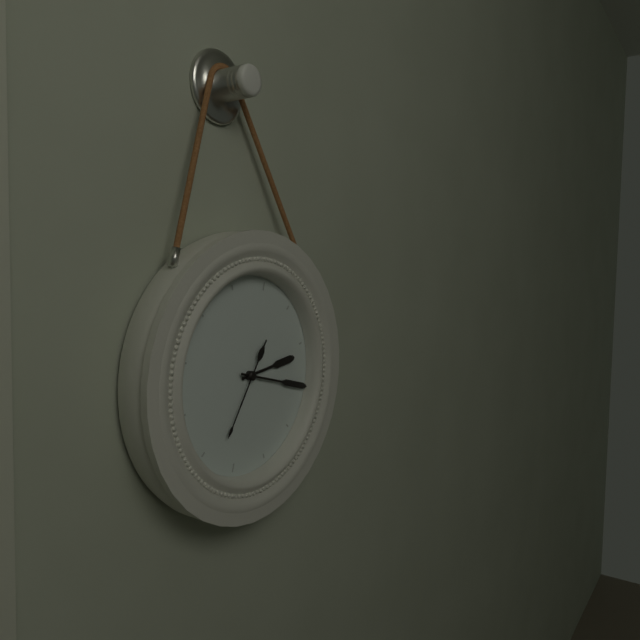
2:15:33
